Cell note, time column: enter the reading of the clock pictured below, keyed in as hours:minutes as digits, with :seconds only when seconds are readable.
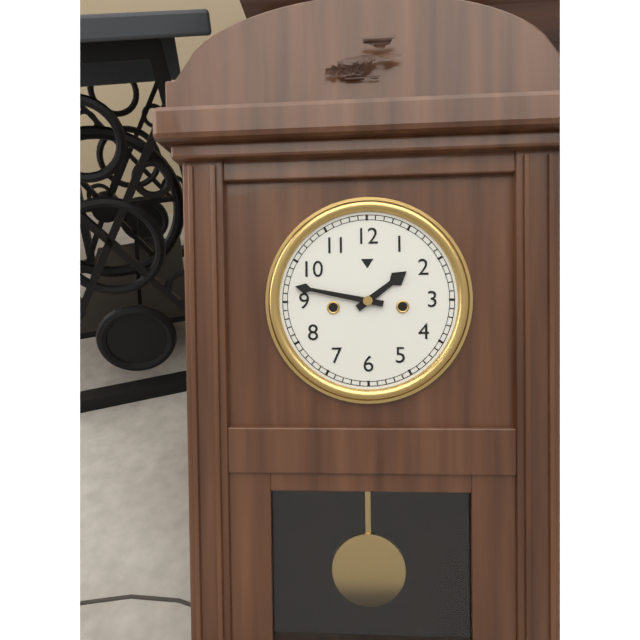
1:47
